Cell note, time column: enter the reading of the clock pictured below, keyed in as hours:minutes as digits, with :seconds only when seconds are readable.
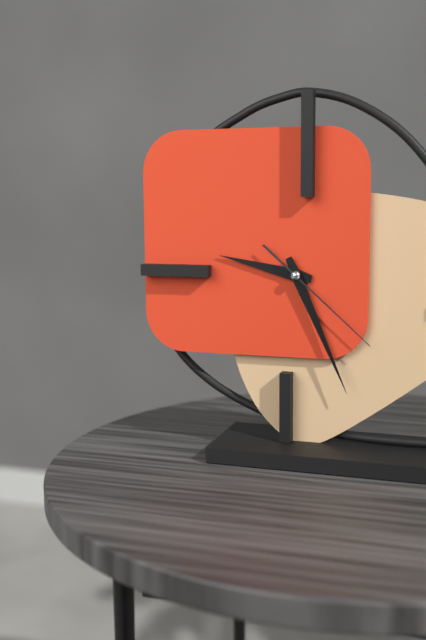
9:26:22
